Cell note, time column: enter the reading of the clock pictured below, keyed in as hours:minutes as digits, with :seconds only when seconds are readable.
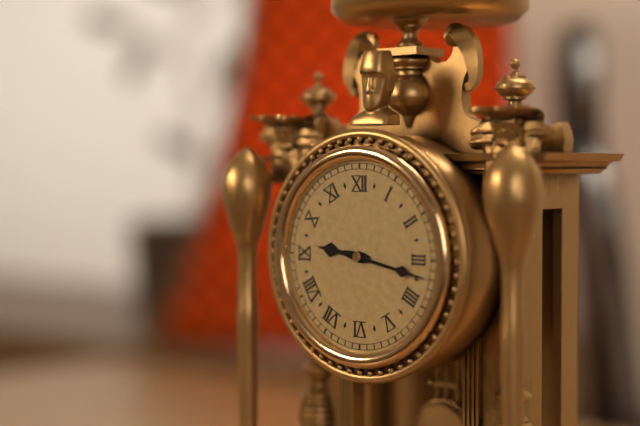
9:17
